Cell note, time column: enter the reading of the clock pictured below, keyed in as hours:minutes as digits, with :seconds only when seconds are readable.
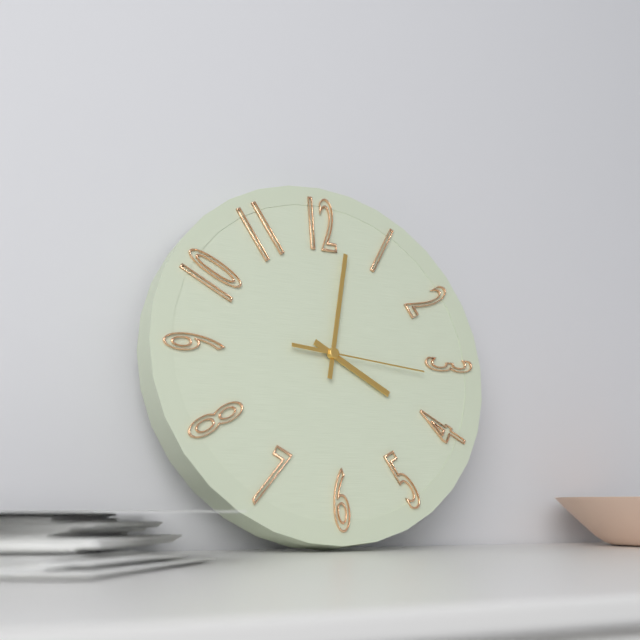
4:02:16
